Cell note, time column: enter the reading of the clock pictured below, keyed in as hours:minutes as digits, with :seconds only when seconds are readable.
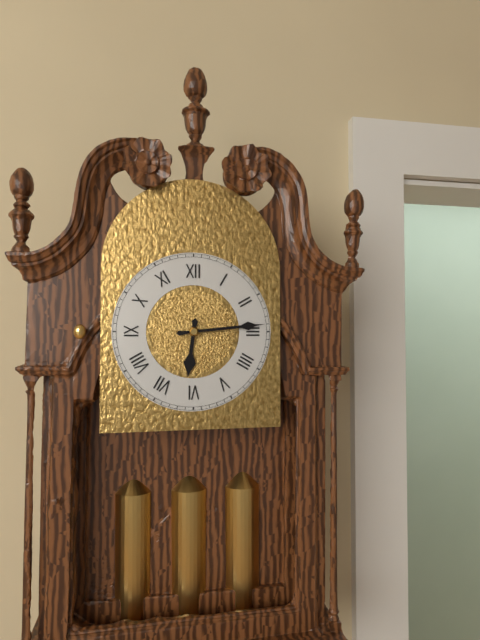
6:14
